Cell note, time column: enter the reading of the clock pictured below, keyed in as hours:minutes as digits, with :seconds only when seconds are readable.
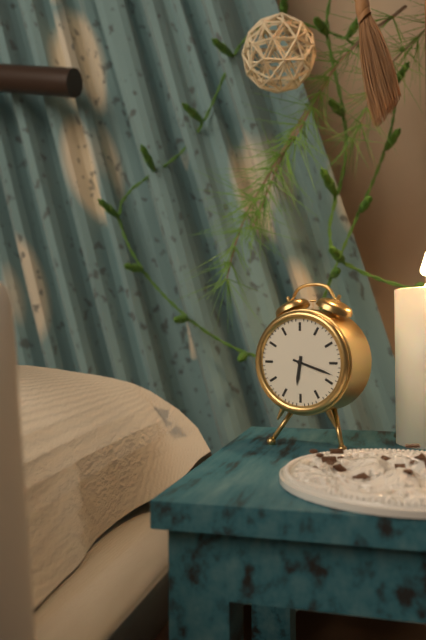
6:18
